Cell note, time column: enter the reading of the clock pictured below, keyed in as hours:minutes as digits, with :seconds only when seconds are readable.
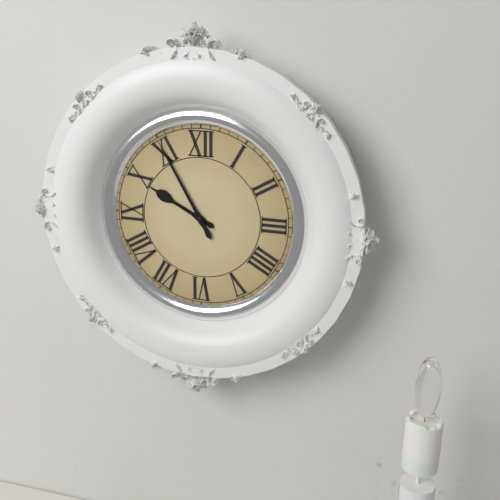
9:55
